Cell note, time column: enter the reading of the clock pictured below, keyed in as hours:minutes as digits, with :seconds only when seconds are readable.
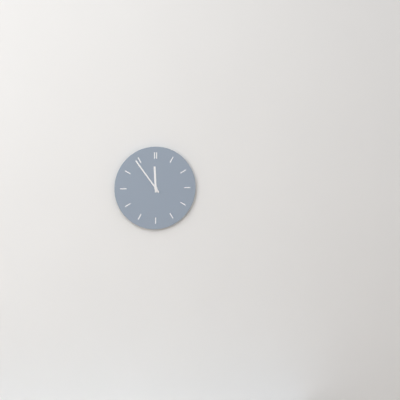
11:54
